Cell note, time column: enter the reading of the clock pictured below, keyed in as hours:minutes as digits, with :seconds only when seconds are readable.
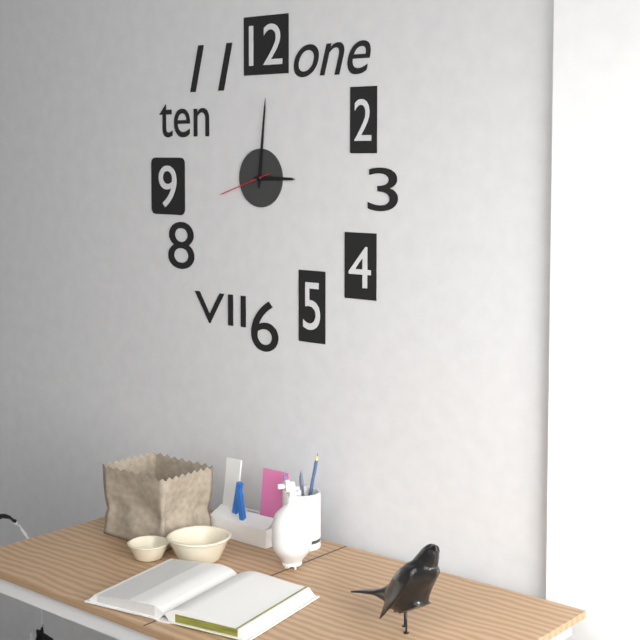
3:01:42
